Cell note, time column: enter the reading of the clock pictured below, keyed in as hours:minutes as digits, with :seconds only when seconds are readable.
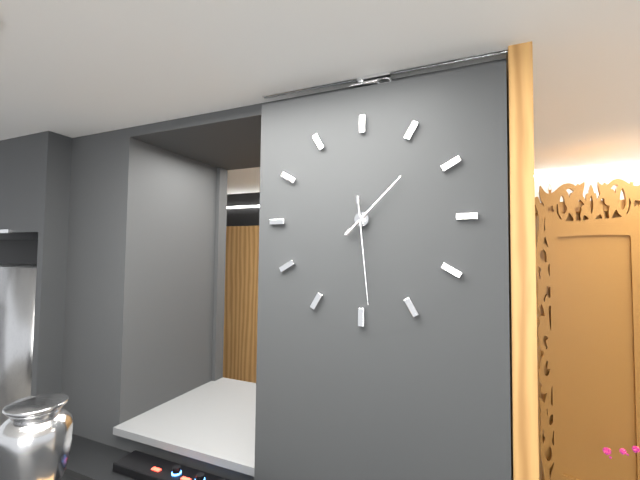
1:29
